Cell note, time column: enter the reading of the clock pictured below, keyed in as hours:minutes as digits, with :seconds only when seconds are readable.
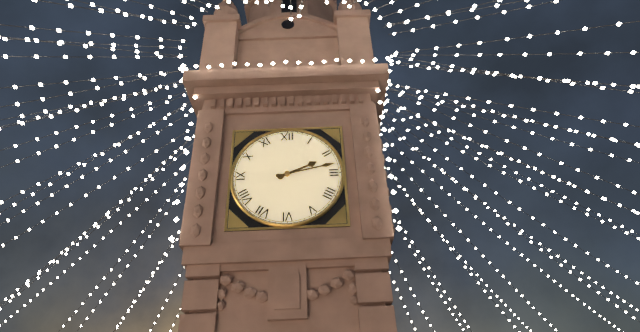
2:13
